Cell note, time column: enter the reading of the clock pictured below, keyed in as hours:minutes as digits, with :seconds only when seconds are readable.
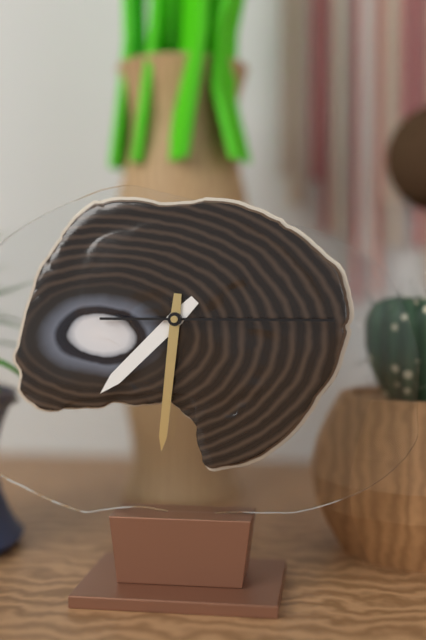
7:31:15
